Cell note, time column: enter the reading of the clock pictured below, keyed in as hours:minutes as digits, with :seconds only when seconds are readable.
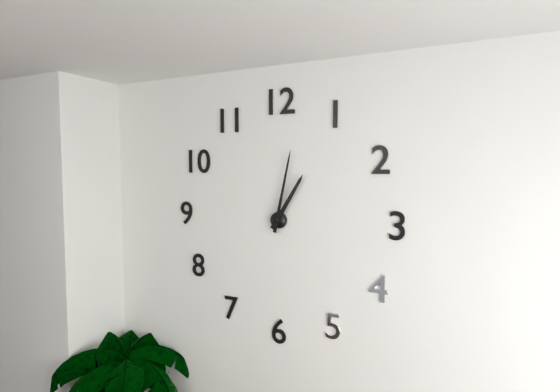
1:02
